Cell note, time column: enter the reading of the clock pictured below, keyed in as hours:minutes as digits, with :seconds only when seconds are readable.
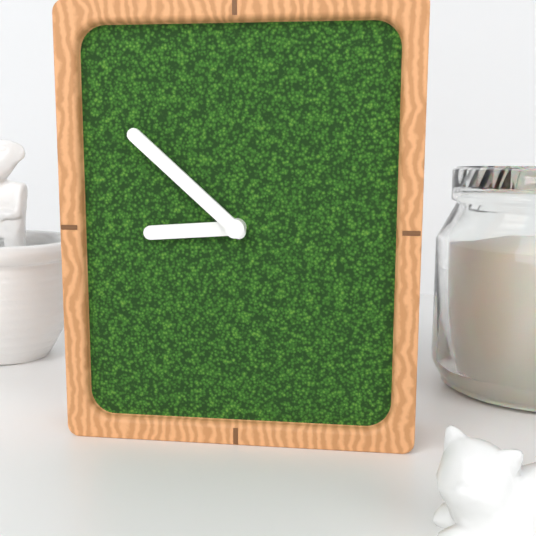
8:52
